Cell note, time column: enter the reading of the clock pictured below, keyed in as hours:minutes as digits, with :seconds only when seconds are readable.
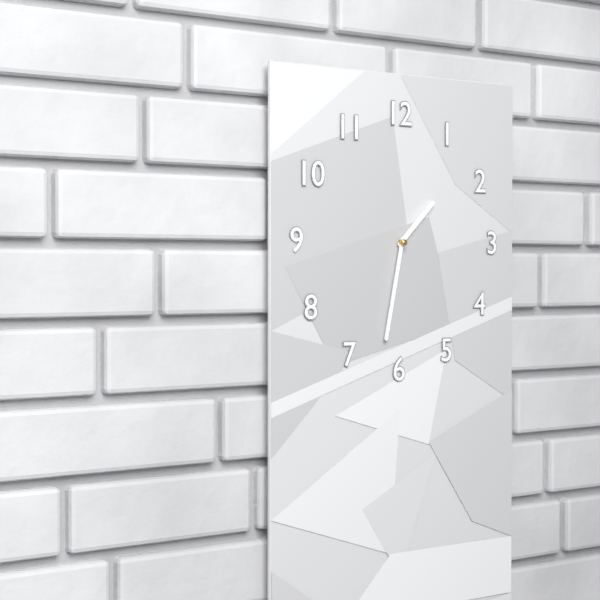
1:32
